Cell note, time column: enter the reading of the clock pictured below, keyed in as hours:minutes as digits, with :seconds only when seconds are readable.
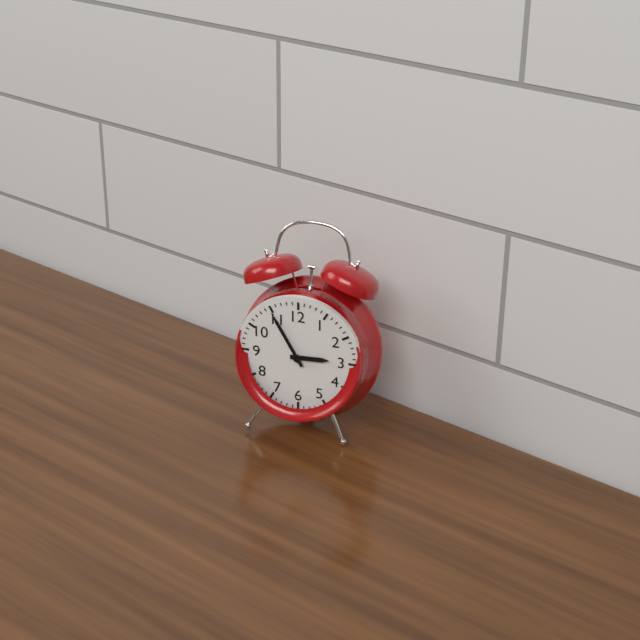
2:55
